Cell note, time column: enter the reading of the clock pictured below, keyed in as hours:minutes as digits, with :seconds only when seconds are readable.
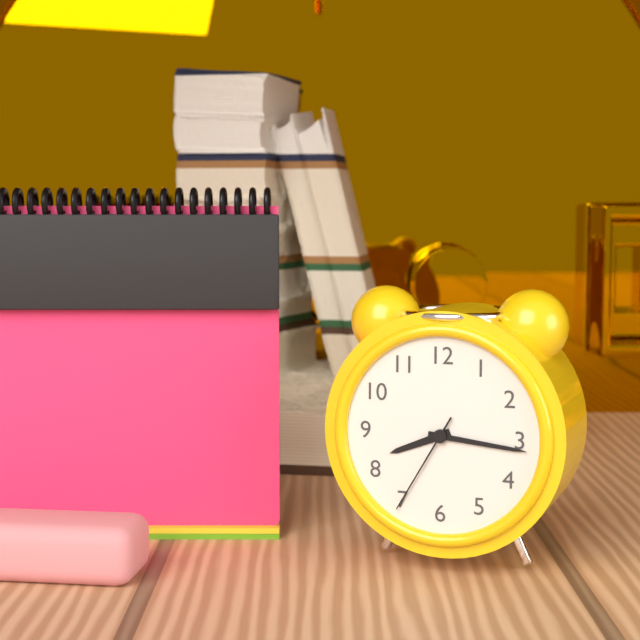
8:16:35
